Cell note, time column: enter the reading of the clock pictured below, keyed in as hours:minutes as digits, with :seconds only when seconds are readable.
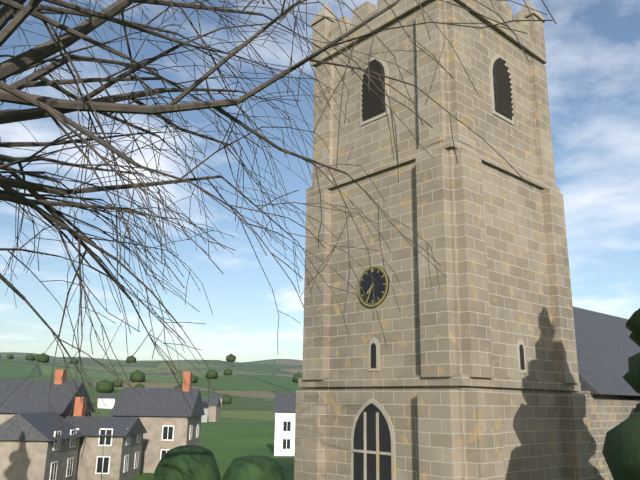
7:34
